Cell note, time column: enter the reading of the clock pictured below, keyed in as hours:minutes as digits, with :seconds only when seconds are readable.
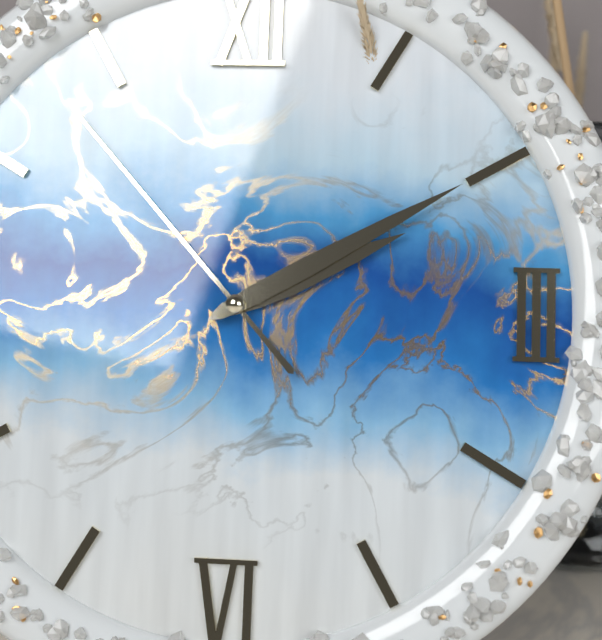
2:10:53
